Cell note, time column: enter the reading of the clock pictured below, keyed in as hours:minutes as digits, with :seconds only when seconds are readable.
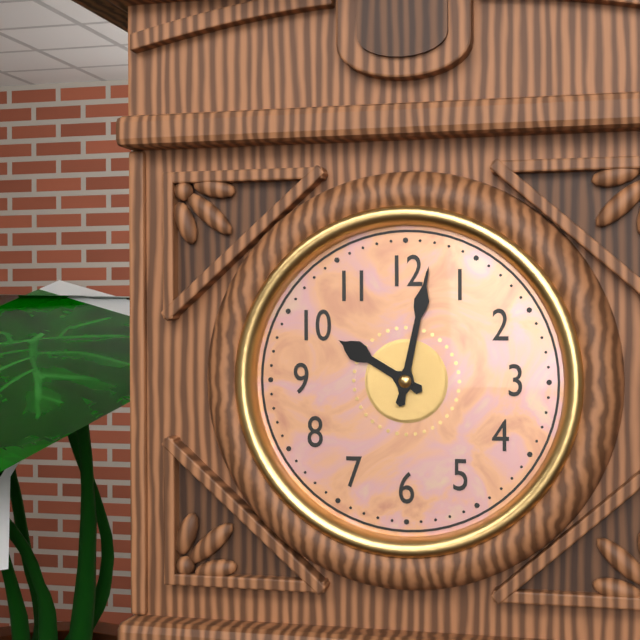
10:02
